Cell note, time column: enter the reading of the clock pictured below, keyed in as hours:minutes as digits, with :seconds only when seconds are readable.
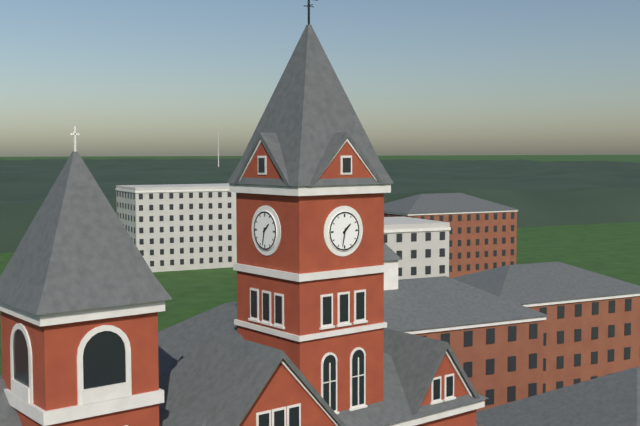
1:32
